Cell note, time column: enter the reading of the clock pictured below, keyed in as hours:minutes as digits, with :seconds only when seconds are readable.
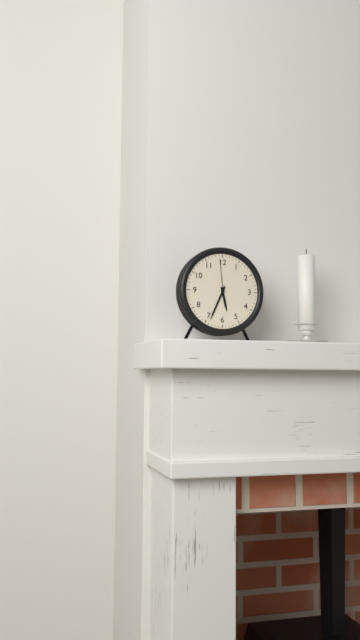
5:34
